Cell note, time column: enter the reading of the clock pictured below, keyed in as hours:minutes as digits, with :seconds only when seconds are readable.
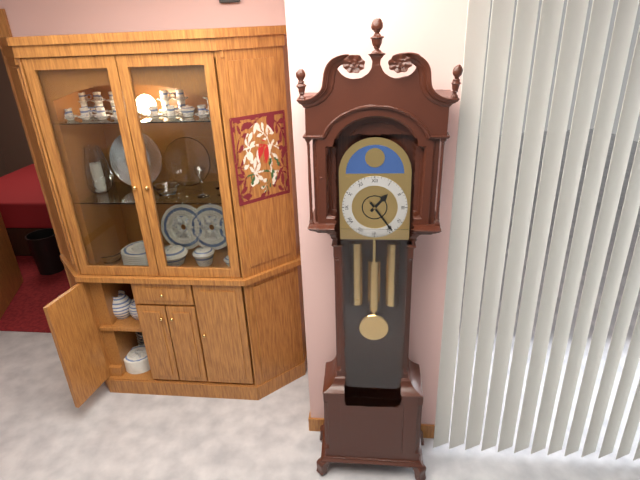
1:24
